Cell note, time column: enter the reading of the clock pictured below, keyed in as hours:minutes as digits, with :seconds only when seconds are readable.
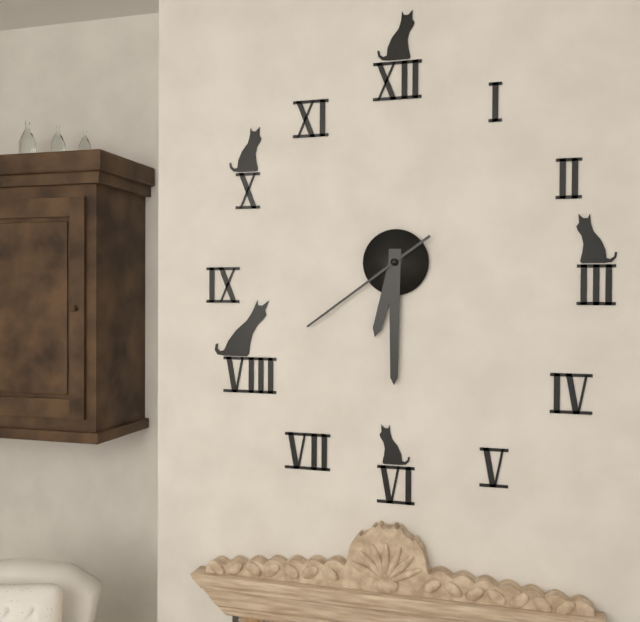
6:30:39
